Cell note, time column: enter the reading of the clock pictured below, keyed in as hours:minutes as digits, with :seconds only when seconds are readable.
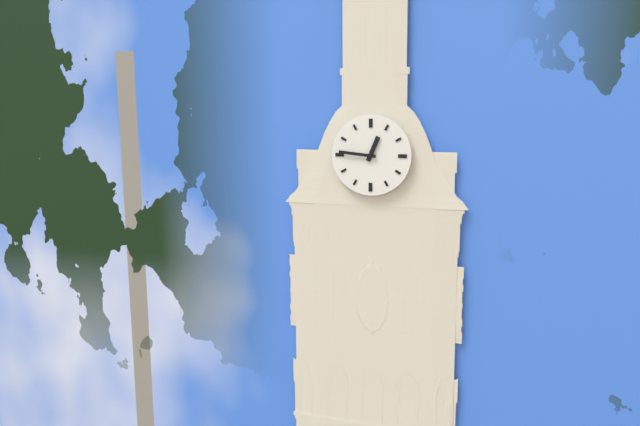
12:46
